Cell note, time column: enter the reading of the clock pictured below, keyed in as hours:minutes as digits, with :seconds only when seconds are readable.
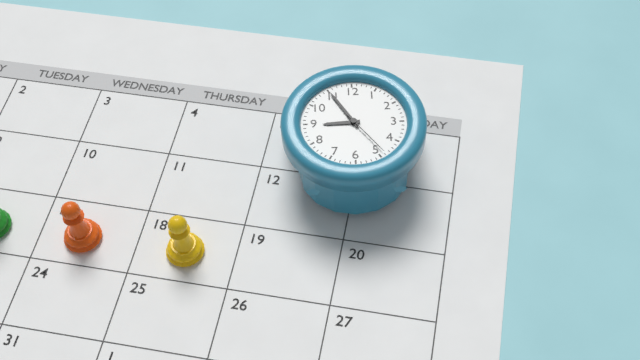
8:55:24
